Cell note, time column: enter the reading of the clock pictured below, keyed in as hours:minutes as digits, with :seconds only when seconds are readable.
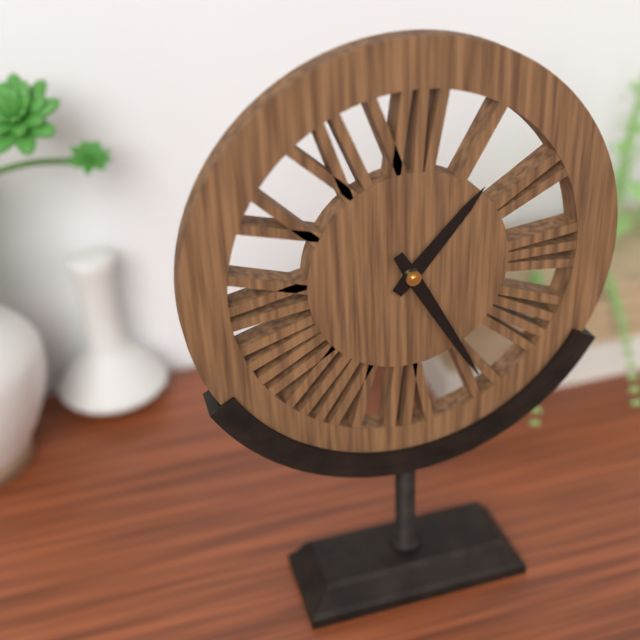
1:25
